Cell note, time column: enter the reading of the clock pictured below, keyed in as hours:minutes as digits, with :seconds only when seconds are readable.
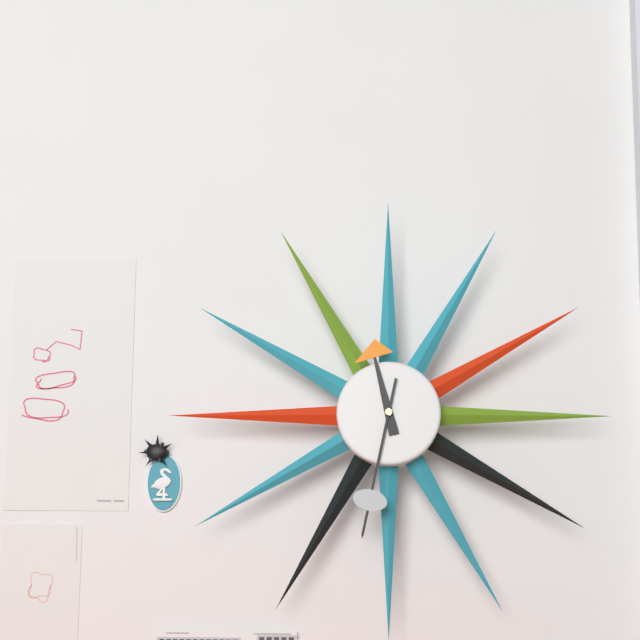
11:32
